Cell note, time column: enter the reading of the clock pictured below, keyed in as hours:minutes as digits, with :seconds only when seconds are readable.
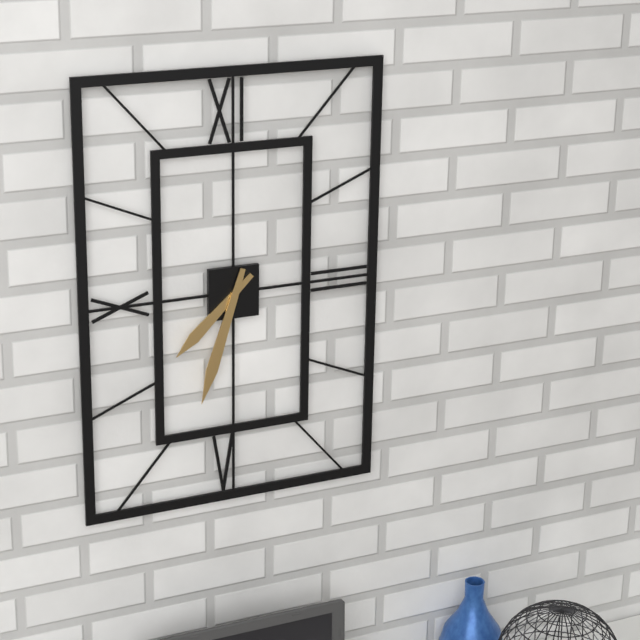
7:33
